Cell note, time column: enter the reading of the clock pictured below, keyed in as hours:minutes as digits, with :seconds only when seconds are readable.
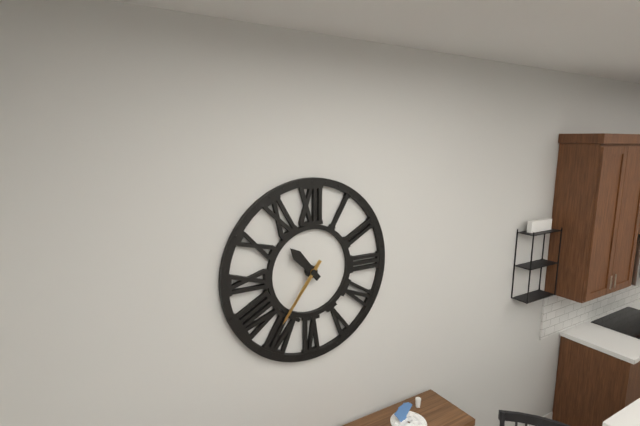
10:36
